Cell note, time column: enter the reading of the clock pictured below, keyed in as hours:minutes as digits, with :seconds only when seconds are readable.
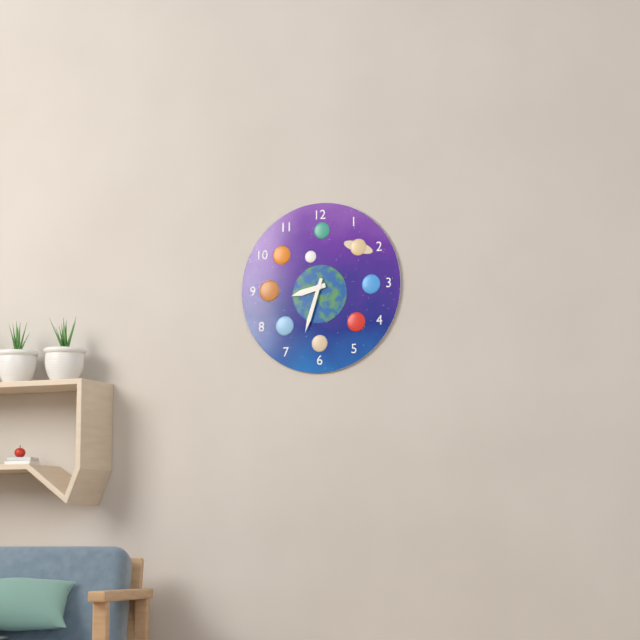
8:33
